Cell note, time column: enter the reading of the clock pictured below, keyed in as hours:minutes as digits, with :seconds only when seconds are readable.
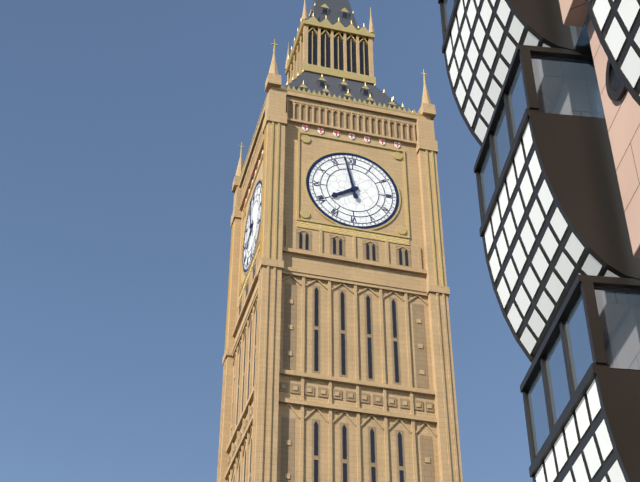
7:58
